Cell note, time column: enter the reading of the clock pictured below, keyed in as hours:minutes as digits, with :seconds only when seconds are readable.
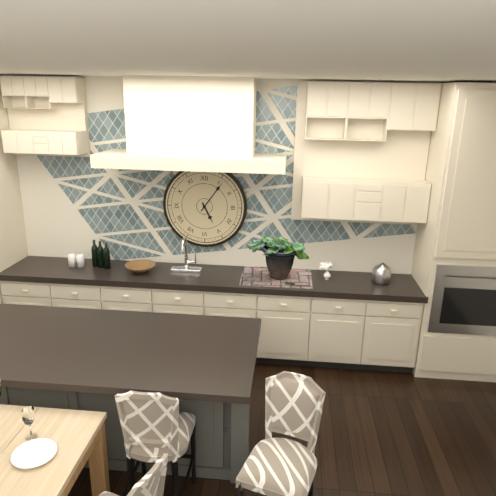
5:06
